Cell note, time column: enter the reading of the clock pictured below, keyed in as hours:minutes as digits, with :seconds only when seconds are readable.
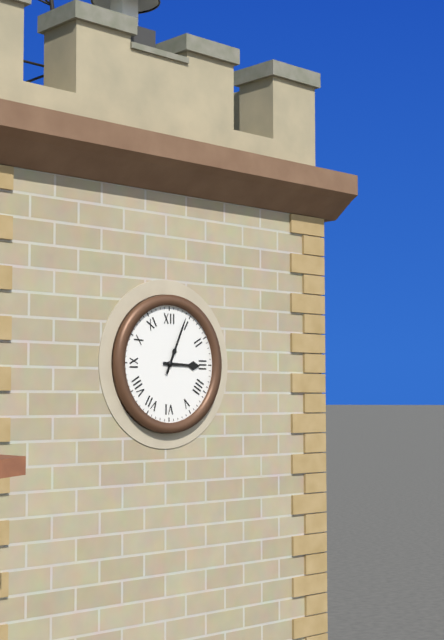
3:04
